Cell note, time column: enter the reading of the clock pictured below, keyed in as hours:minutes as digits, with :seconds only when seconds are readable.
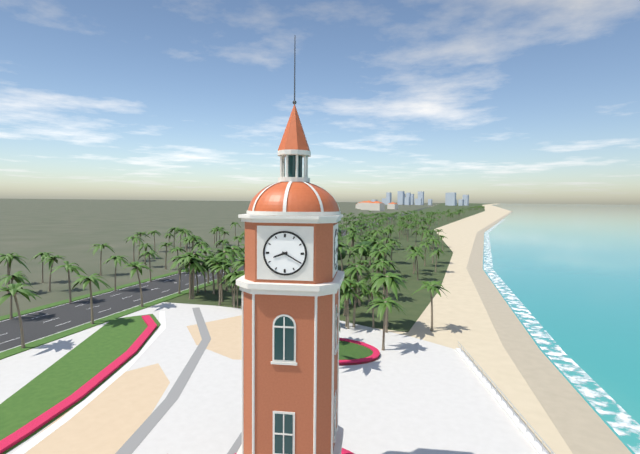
8:20
